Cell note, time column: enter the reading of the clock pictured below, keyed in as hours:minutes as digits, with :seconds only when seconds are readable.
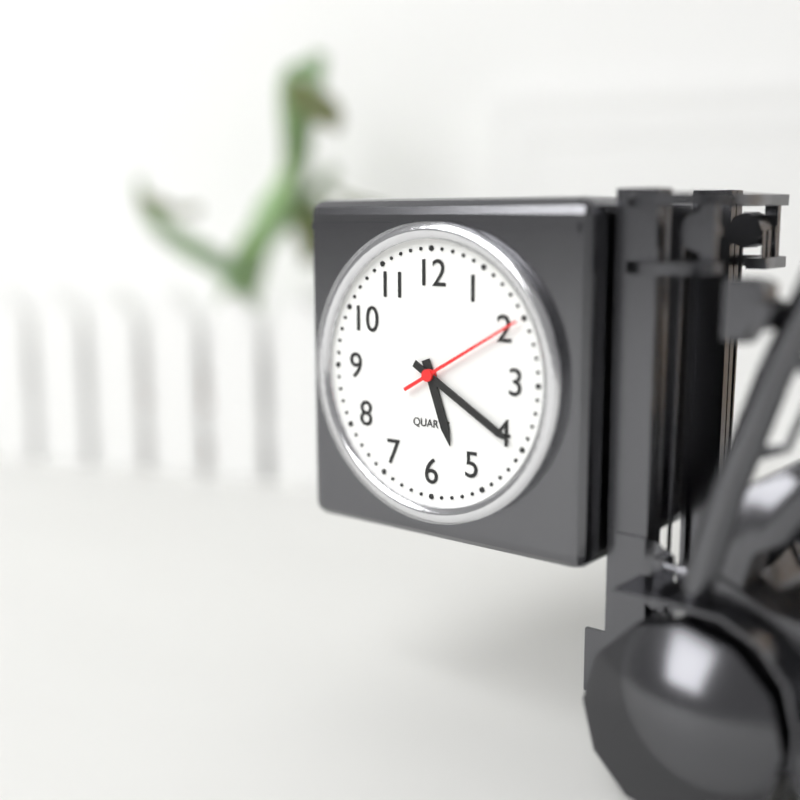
5:20:10
